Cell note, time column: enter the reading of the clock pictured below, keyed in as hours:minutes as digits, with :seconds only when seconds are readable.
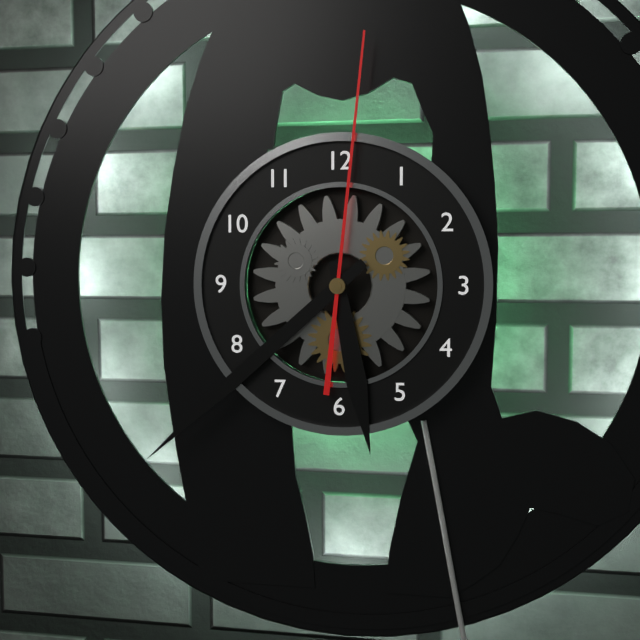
5:38:01
